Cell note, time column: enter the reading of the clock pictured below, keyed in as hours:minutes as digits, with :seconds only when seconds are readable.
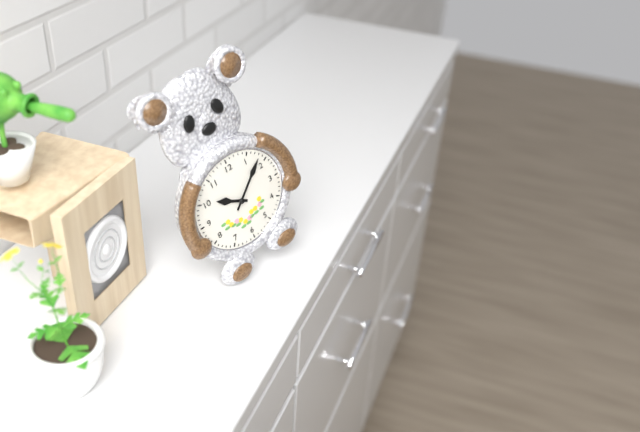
10:08
